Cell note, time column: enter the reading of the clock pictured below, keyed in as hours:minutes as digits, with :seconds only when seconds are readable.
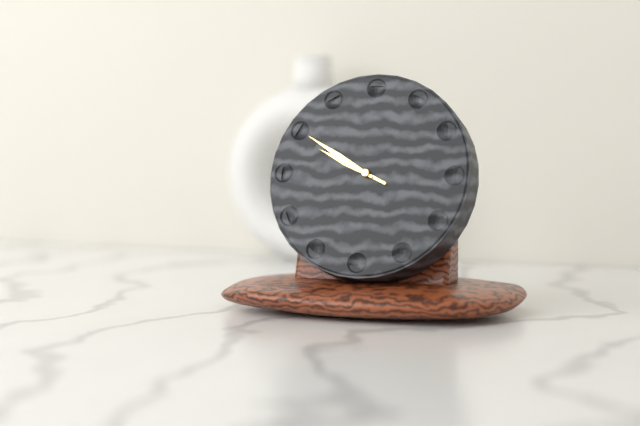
9:50
